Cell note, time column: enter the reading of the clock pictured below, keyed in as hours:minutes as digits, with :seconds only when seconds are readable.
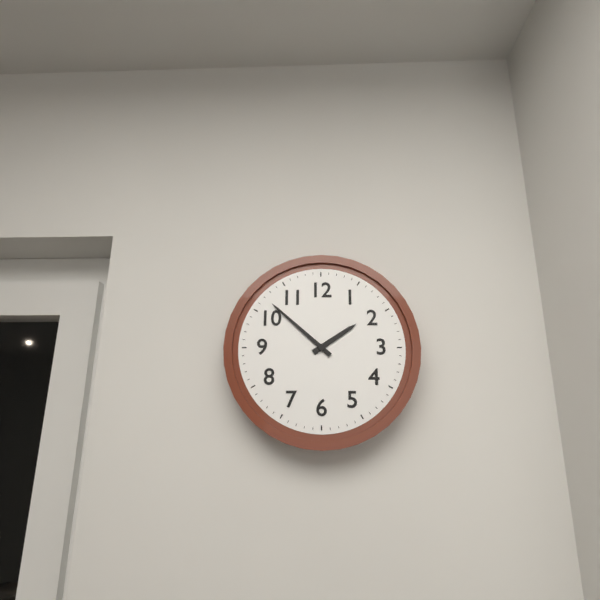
1:52
